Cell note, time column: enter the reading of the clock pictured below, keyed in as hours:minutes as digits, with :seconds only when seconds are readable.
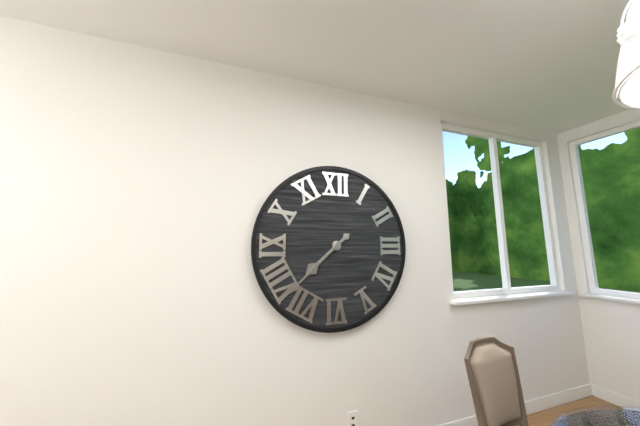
7:38
